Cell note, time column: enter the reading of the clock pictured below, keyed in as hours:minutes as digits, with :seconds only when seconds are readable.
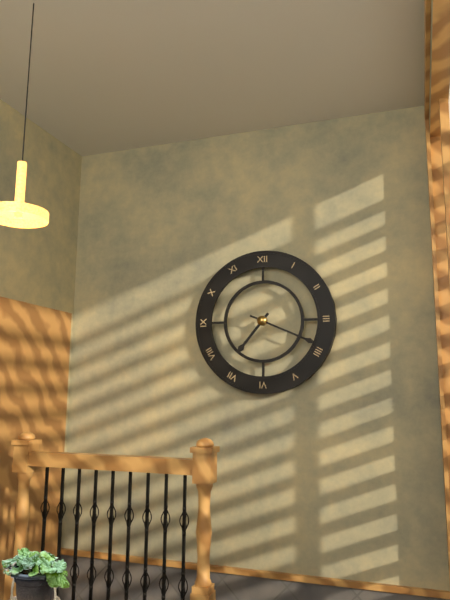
7:19
